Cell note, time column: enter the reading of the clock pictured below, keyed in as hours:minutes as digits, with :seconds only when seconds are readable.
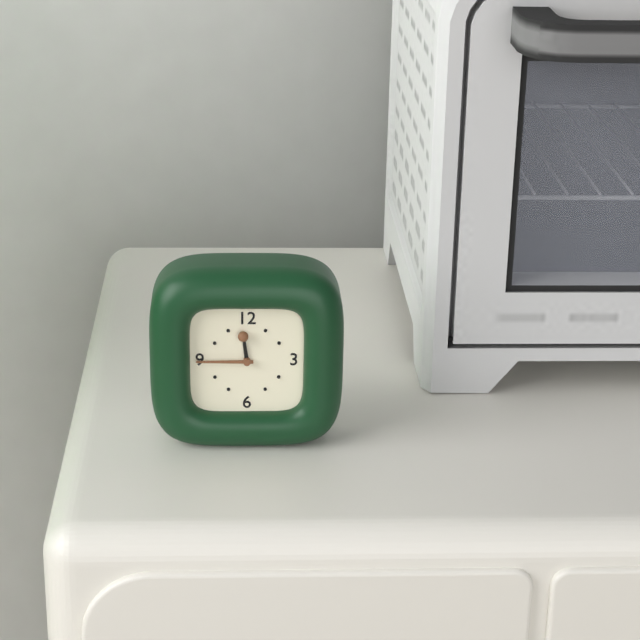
11:45
